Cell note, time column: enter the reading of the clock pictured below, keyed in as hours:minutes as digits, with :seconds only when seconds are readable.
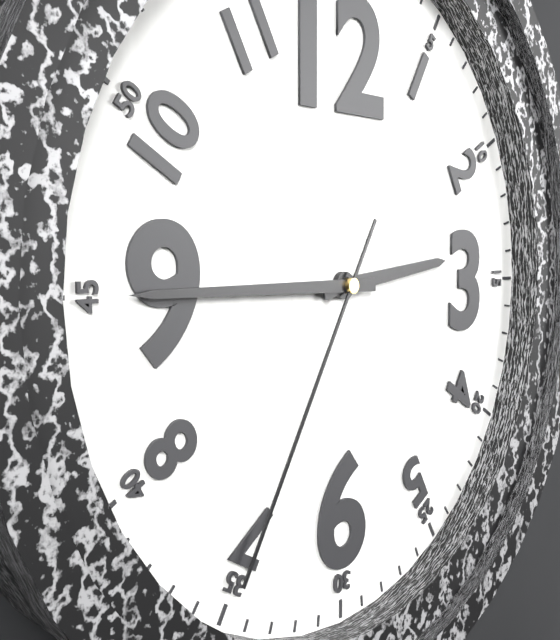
2:45:35
